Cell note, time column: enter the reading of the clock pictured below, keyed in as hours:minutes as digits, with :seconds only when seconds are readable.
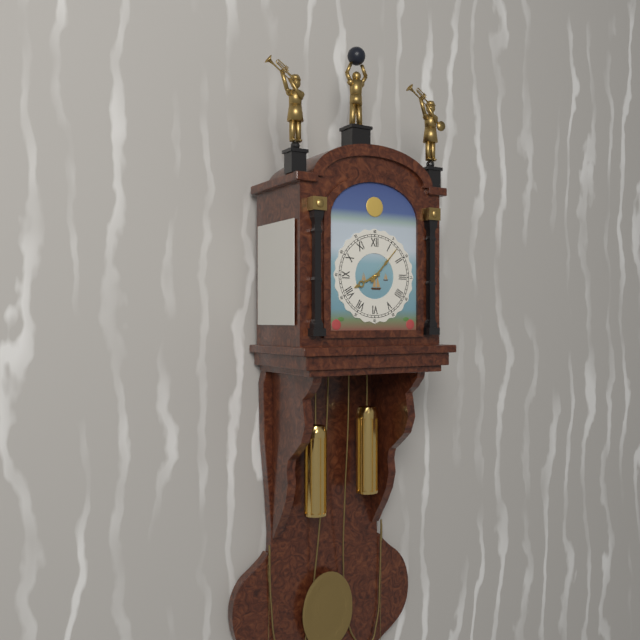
8:07
